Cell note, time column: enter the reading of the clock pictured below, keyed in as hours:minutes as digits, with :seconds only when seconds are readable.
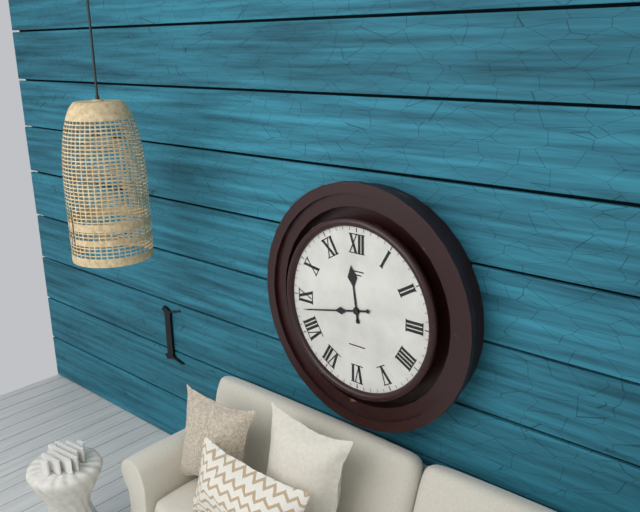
11:43
